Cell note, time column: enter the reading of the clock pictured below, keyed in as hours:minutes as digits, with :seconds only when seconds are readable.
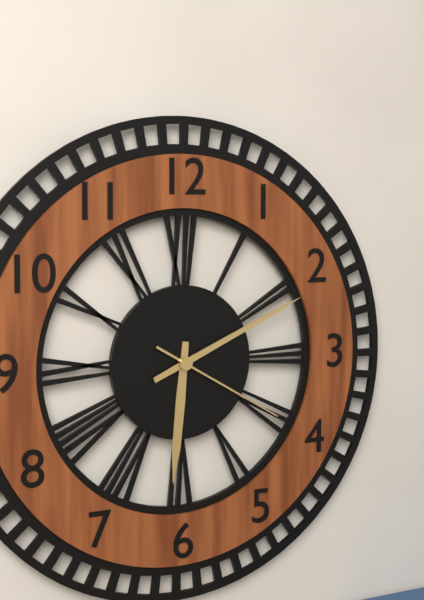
6:11:20
